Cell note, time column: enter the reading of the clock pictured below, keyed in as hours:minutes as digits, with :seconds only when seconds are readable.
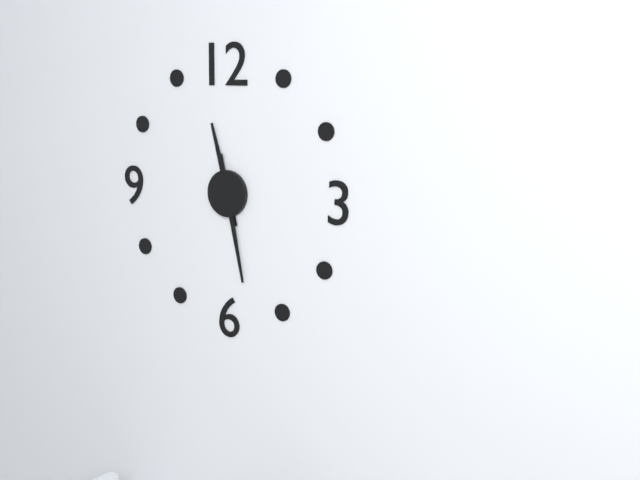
11:28
